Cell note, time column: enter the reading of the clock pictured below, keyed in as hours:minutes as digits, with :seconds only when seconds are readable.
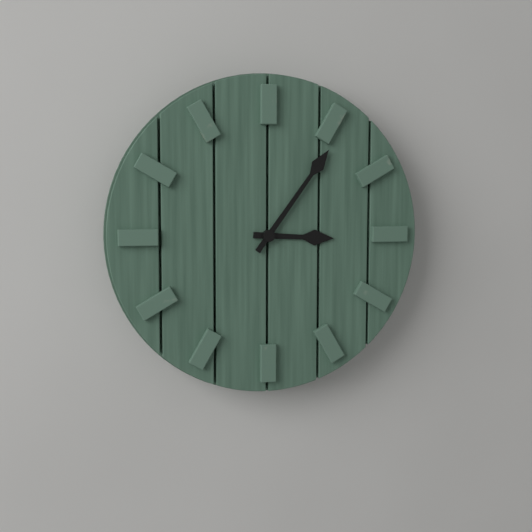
3:06
